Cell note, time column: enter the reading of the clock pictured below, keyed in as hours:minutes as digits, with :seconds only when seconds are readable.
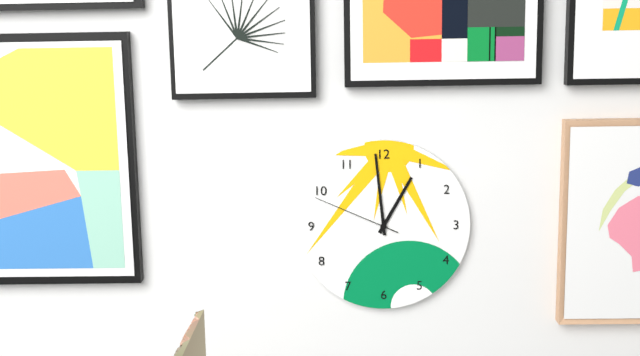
12:59:49
